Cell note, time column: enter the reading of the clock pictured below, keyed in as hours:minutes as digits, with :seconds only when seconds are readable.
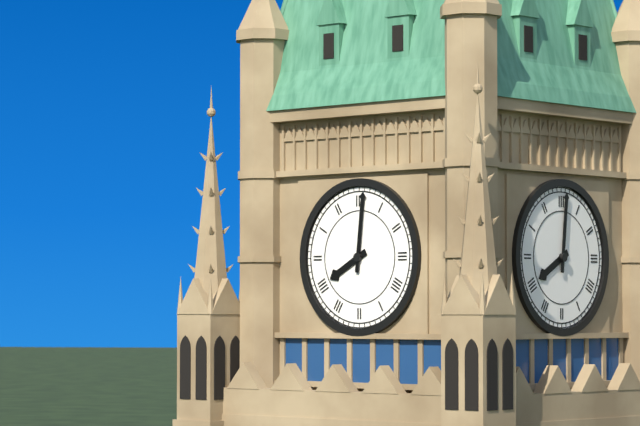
8:01
